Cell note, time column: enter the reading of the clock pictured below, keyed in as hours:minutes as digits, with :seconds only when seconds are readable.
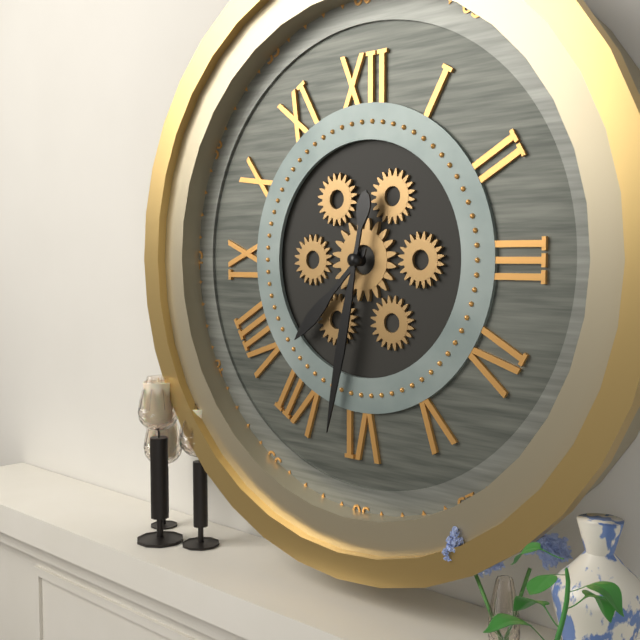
7:32
